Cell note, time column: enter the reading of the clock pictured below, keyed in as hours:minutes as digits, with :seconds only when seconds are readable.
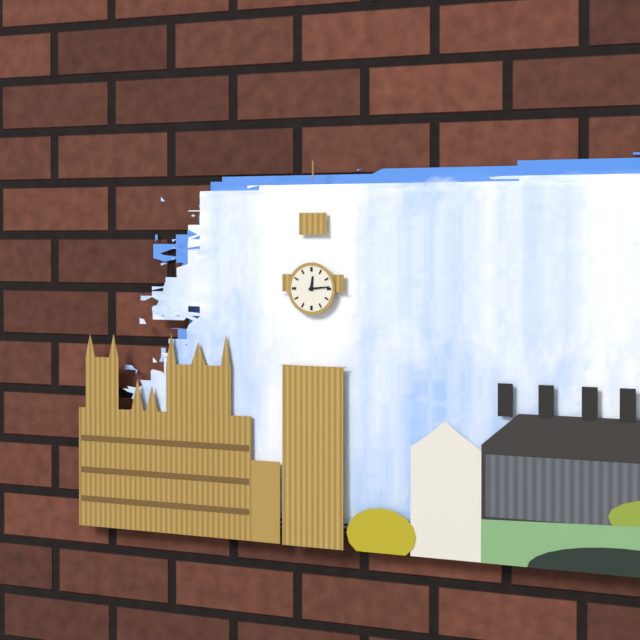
12:14
